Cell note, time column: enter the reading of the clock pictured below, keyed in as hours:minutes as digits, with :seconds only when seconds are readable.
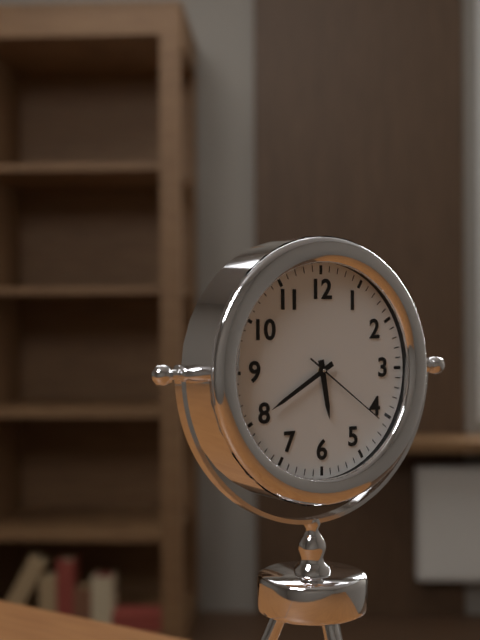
5:40:21
